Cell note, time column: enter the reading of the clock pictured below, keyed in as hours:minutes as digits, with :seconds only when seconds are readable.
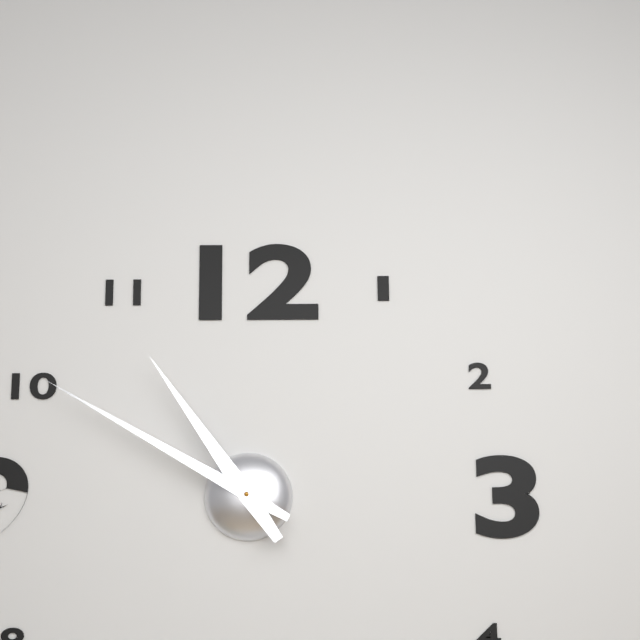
10:50
